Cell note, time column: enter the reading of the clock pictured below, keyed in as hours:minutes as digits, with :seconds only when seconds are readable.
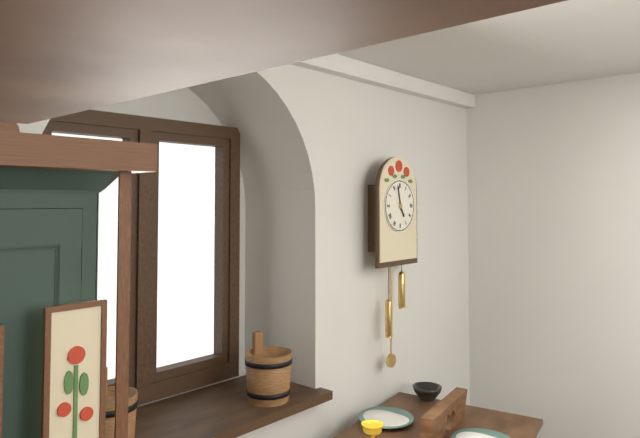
4:58
